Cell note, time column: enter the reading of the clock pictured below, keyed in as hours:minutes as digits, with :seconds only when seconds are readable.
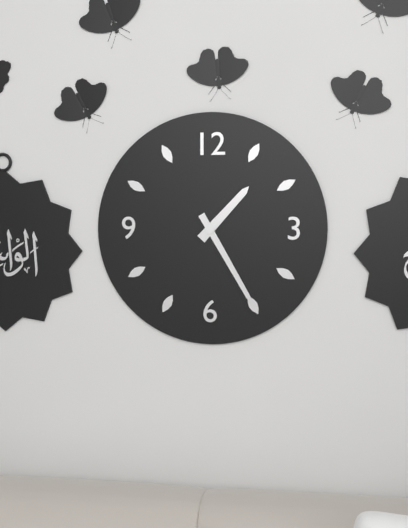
1:25
